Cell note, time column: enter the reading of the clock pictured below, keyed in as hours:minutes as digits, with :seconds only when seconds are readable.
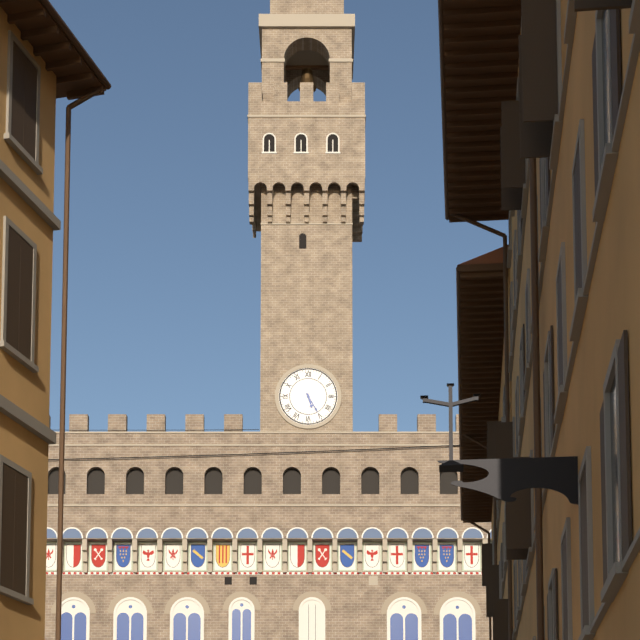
5:25
